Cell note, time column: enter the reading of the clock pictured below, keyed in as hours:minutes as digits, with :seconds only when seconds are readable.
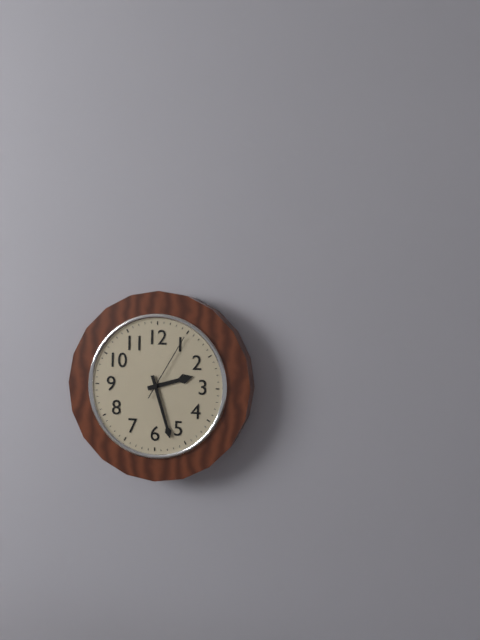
2:27:05
